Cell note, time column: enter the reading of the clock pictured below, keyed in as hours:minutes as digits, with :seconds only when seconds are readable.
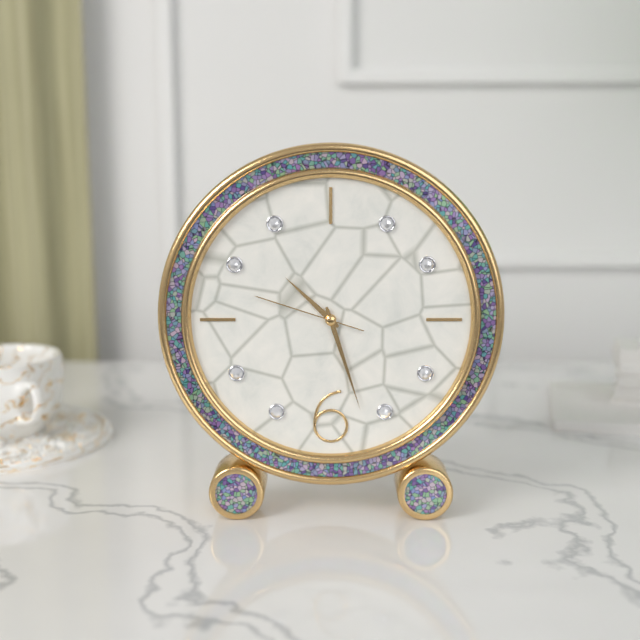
10:27:48
